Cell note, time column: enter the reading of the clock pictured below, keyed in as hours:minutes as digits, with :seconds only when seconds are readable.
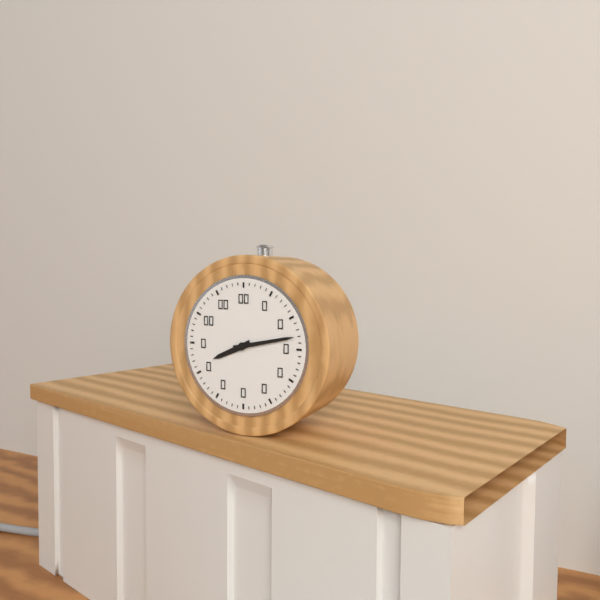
8:13
